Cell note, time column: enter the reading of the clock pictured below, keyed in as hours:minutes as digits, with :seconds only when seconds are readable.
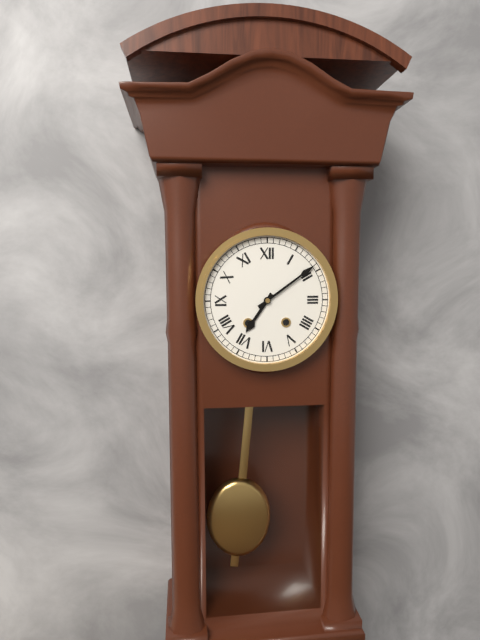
7:09
